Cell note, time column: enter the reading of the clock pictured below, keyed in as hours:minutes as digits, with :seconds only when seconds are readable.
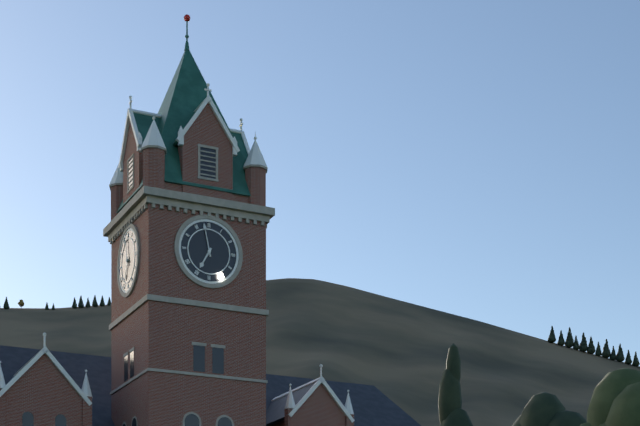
6:58
